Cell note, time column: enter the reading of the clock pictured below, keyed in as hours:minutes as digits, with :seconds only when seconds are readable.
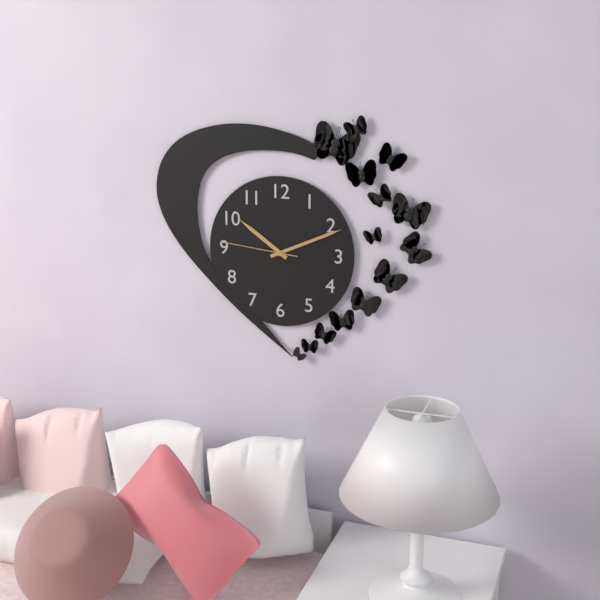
10:11:46
